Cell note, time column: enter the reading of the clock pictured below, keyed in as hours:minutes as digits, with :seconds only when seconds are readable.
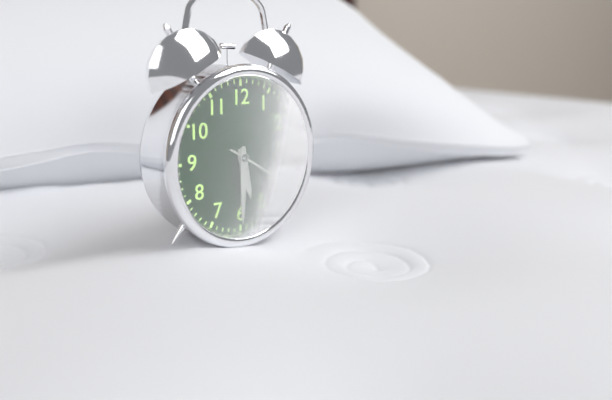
5:30:20
